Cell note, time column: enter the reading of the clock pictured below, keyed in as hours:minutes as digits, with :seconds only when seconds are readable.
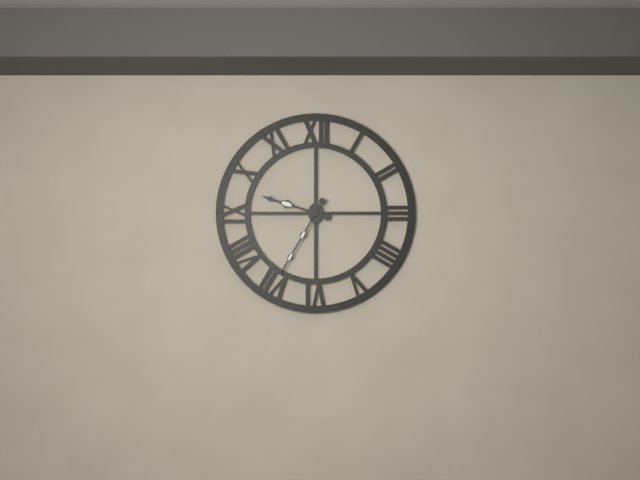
9:35
